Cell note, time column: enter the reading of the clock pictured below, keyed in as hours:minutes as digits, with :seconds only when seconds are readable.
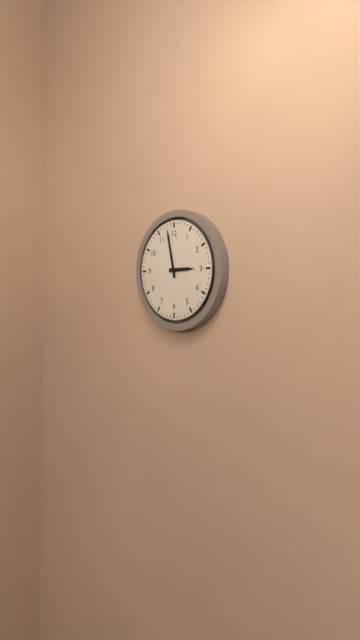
2:58
